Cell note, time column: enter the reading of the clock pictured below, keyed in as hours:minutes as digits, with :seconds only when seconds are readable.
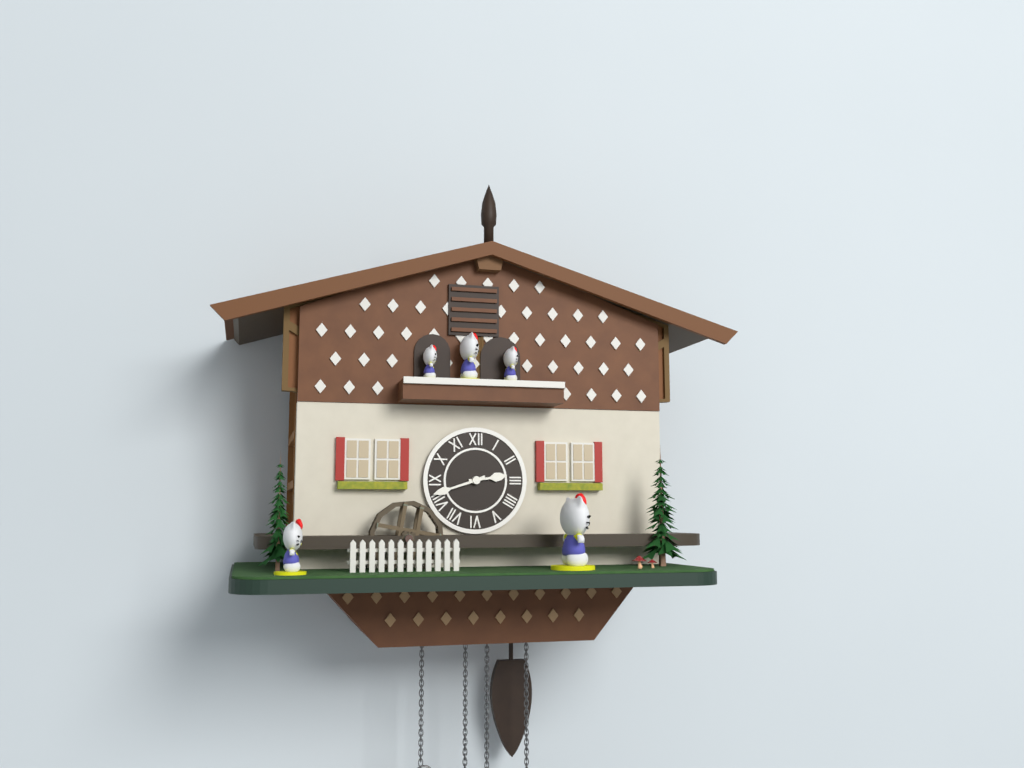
2:42
